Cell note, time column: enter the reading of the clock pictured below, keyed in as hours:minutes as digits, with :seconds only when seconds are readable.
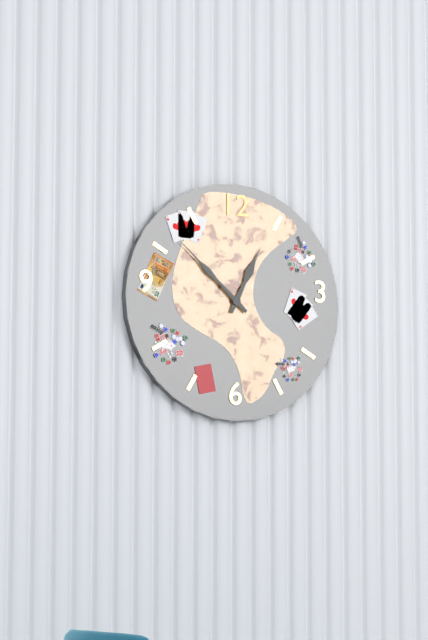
12:52
